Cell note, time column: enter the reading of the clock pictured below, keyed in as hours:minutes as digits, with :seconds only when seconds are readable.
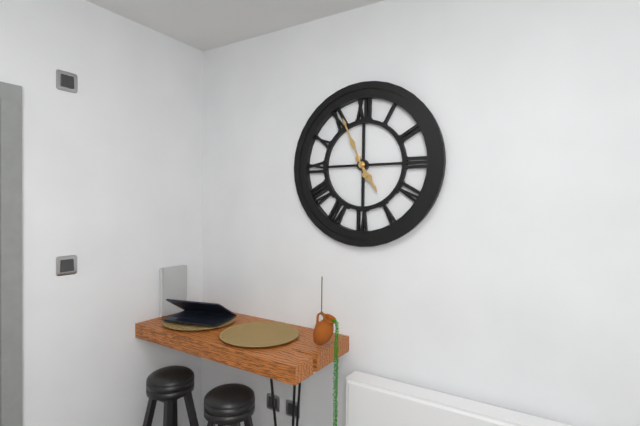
4:56
